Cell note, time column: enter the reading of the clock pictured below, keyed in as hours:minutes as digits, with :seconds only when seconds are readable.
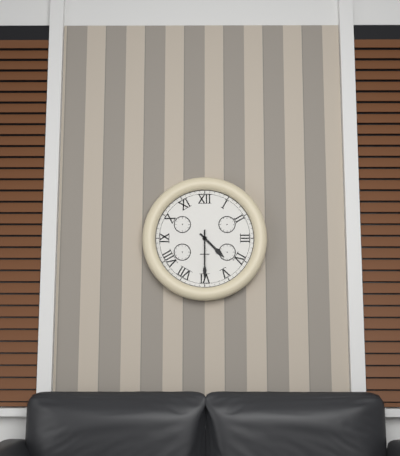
4:30
